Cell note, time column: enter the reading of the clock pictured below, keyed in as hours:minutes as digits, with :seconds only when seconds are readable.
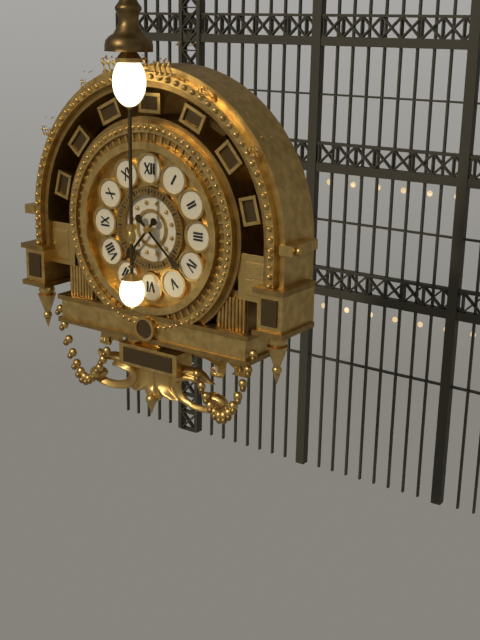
7:22
